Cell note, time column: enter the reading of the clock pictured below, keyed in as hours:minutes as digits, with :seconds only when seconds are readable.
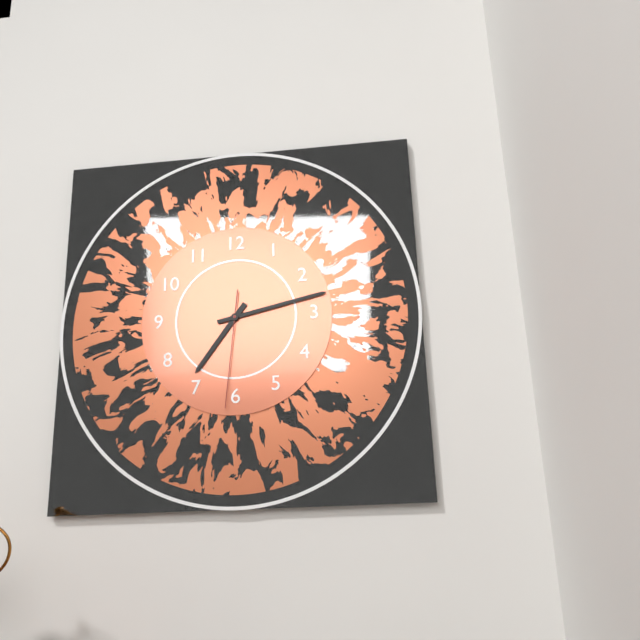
7:13:31
